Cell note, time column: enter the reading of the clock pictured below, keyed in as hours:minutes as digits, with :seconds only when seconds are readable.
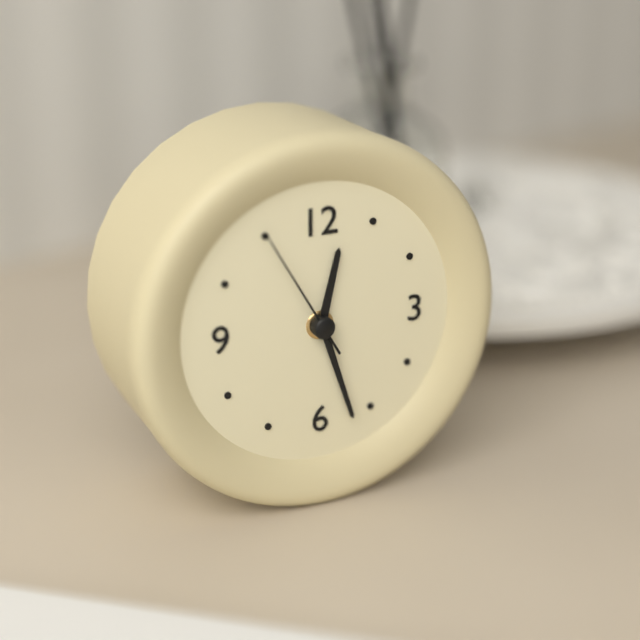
12:27:55
